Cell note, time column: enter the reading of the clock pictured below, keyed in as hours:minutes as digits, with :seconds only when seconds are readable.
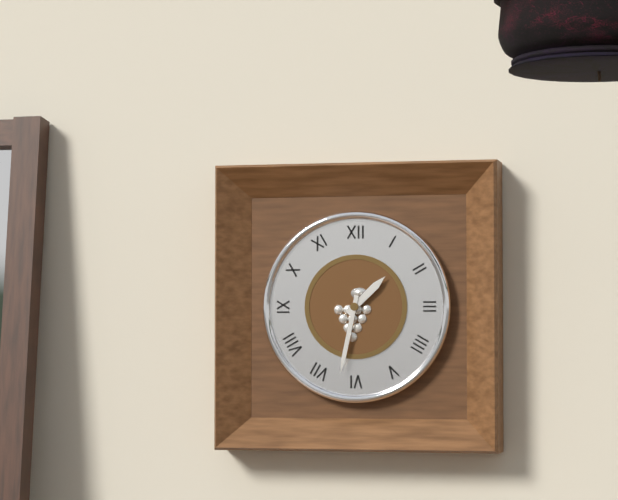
1:32
